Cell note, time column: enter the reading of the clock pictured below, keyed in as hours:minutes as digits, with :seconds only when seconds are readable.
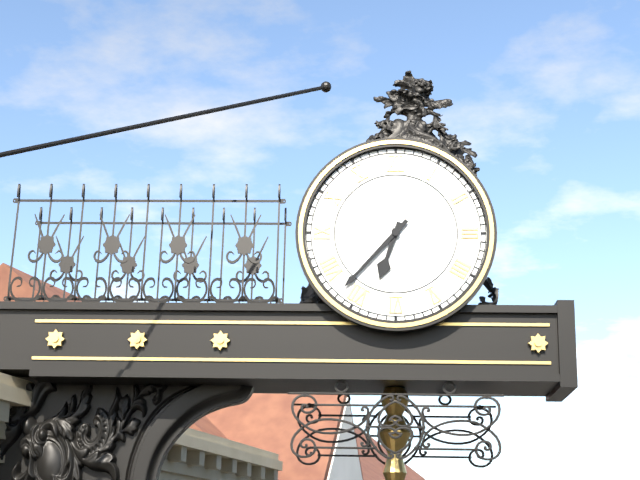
6:37
